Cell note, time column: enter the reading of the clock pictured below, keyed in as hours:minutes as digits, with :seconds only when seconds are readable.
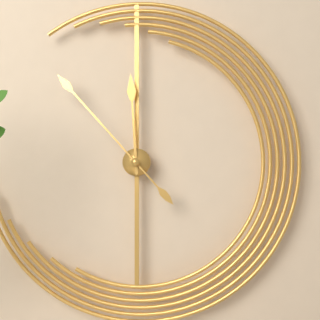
11:53
